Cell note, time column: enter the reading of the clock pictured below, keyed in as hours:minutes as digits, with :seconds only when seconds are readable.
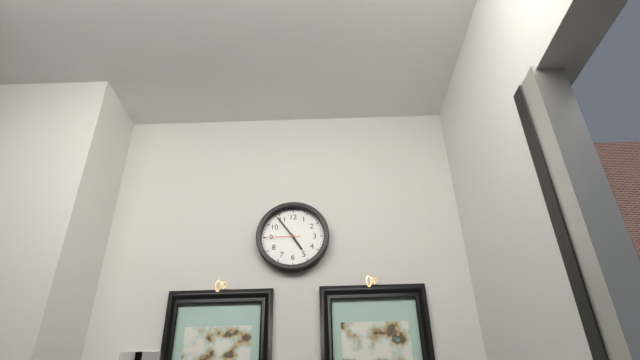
4:54
